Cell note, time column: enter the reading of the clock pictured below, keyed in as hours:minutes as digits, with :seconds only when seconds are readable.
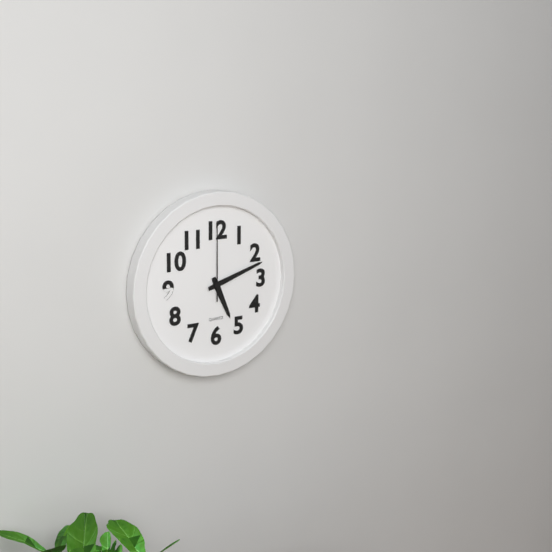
5:12:00
